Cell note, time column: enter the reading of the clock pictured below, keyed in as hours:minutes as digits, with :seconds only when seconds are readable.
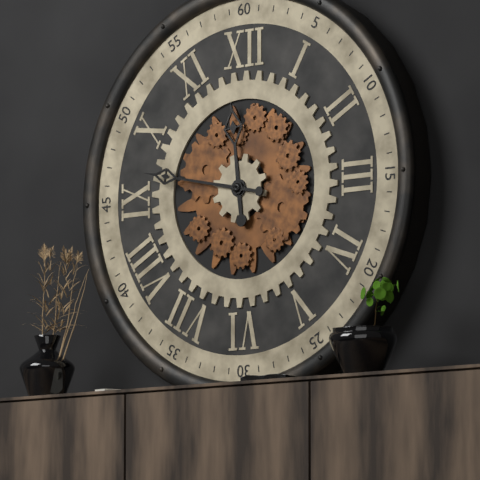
11:47
